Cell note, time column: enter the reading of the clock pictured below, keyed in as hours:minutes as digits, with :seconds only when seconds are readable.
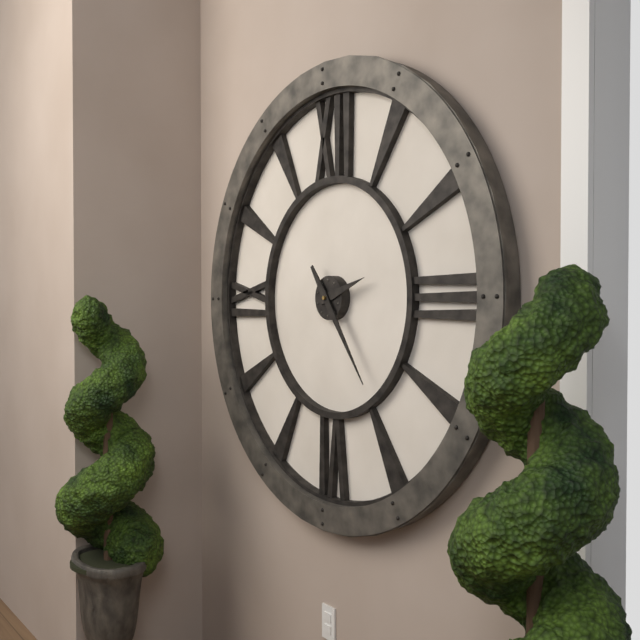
2:24
